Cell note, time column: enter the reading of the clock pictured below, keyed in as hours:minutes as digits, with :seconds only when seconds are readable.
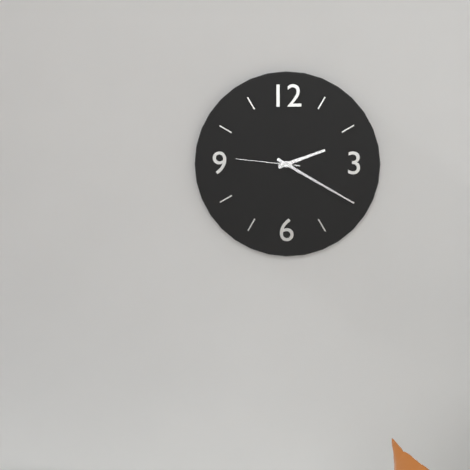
2:20:46
